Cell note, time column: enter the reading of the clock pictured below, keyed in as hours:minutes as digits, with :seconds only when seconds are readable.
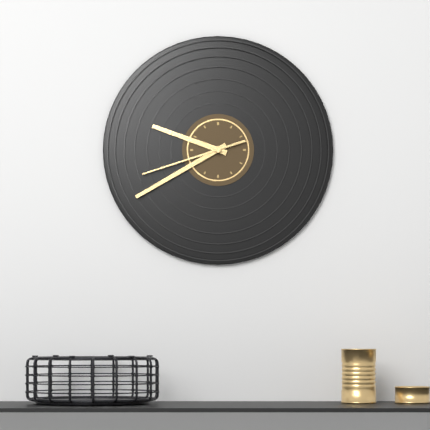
9:40:42
